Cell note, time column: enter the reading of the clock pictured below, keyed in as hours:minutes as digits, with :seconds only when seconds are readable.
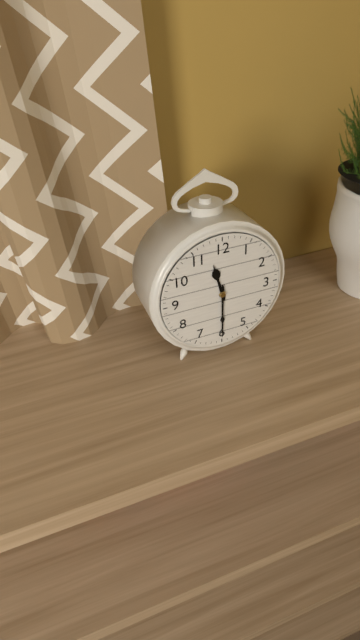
11:30
